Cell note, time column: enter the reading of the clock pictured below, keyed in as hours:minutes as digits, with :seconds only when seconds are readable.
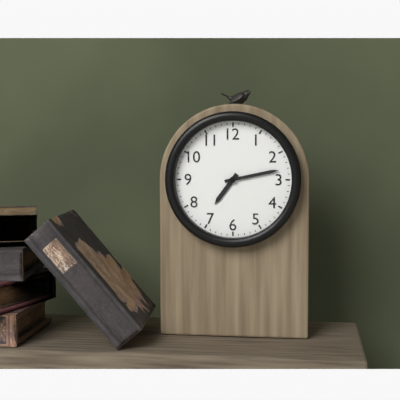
7:13
